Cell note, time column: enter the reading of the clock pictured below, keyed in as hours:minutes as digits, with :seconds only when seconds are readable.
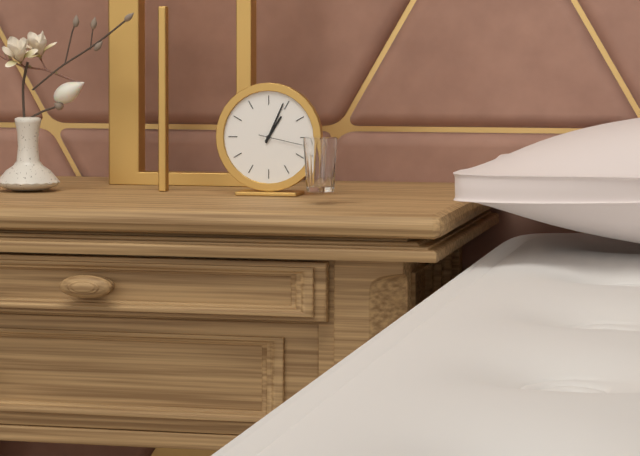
1:04
